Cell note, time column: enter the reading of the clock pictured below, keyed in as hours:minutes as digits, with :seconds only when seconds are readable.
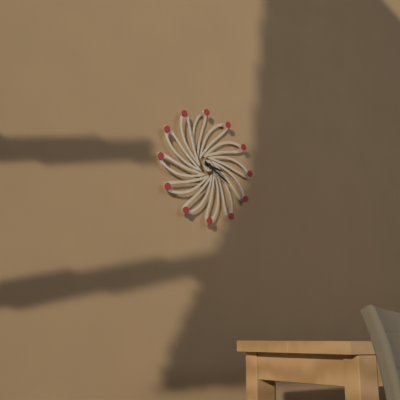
3:20
